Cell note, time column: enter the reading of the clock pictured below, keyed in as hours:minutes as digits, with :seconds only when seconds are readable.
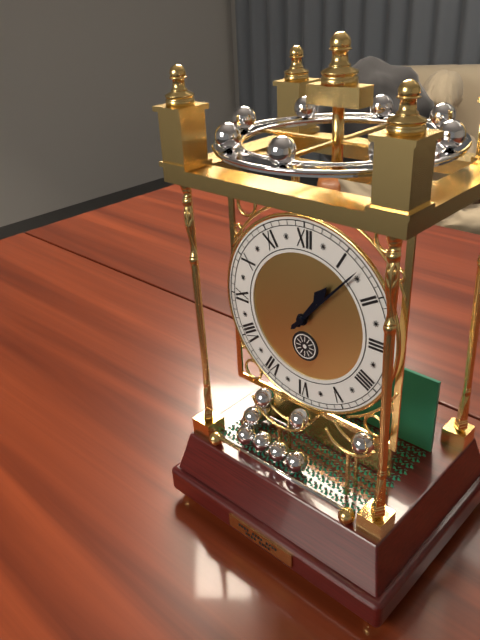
1:07
